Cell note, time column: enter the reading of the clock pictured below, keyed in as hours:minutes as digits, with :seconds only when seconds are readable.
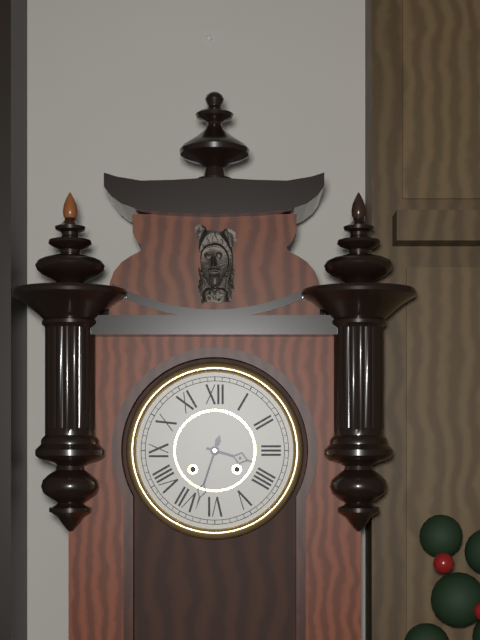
3:33
